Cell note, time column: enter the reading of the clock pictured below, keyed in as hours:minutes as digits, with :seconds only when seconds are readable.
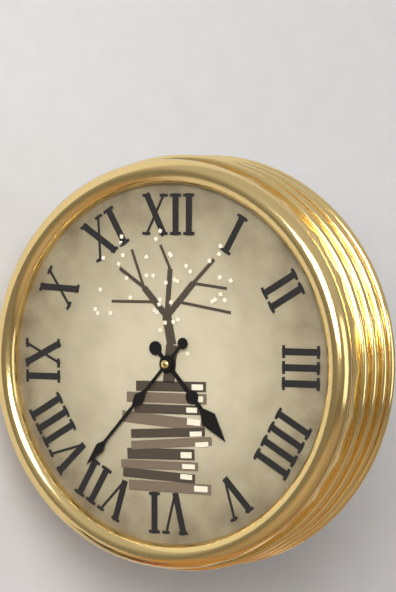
4:37
